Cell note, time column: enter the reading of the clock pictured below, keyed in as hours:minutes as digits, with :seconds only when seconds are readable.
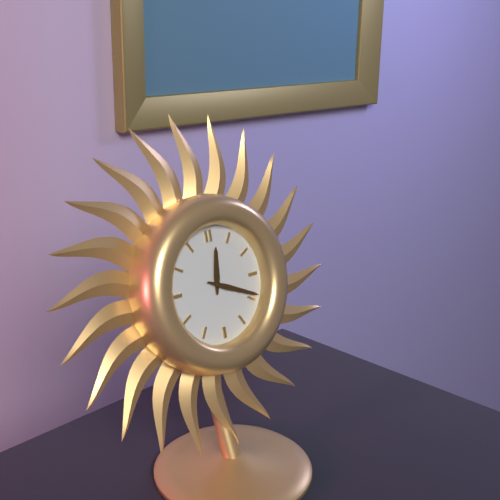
12:19
